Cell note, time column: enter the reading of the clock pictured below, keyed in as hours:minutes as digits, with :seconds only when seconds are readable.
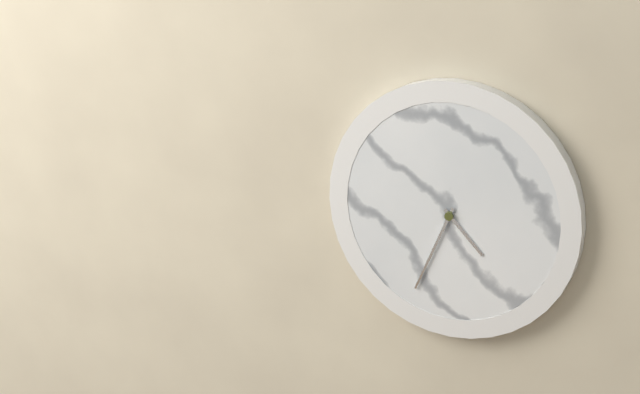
4:34
